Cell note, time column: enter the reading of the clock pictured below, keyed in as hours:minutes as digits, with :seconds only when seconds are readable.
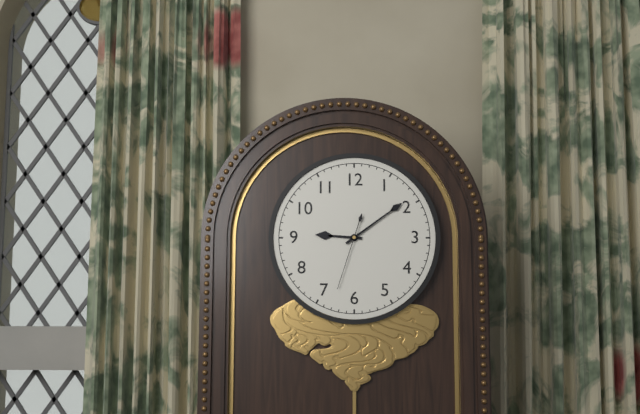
9:09:33
